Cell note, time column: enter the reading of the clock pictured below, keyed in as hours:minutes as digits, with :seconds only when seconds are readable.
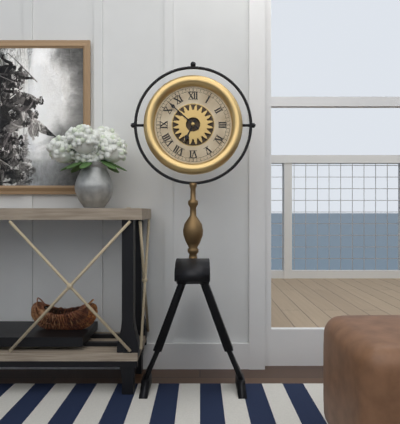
6:52
